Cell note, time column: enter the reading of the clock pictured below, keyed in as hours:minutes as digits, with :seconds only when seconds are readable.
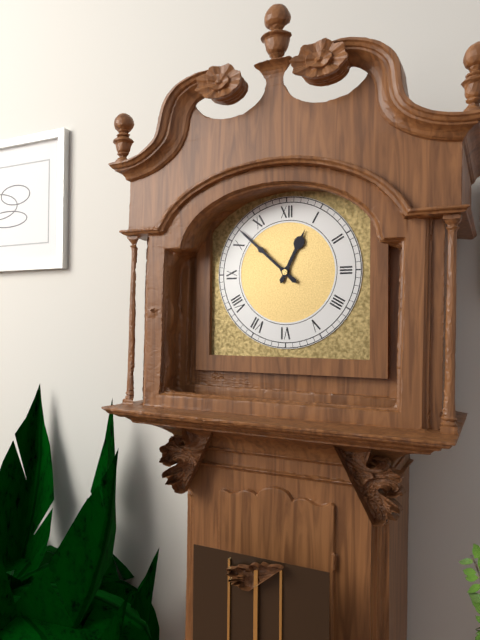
12:52
